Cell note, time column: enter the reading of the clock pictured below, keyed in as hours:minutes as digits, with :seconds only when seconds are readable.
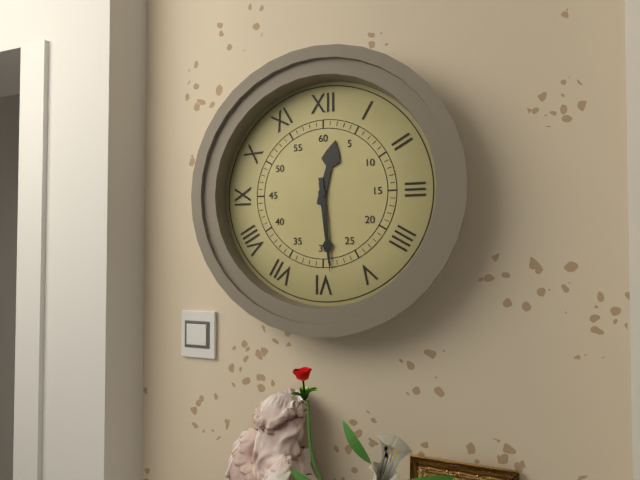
12:29
